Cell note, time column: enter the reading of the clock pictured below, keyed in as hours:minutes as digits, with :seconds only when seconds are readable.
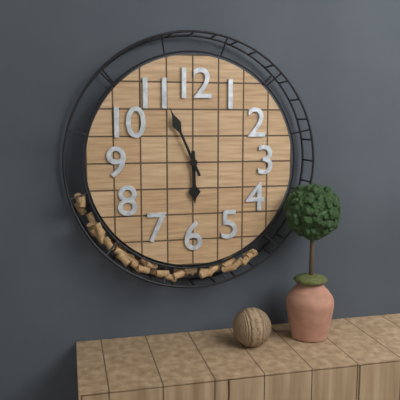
5:56
